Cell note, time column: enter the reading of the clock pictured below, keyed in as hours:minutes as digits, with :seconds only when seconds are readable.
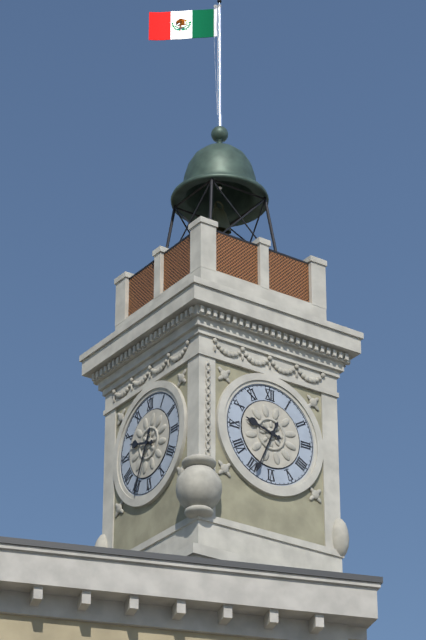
9:34
